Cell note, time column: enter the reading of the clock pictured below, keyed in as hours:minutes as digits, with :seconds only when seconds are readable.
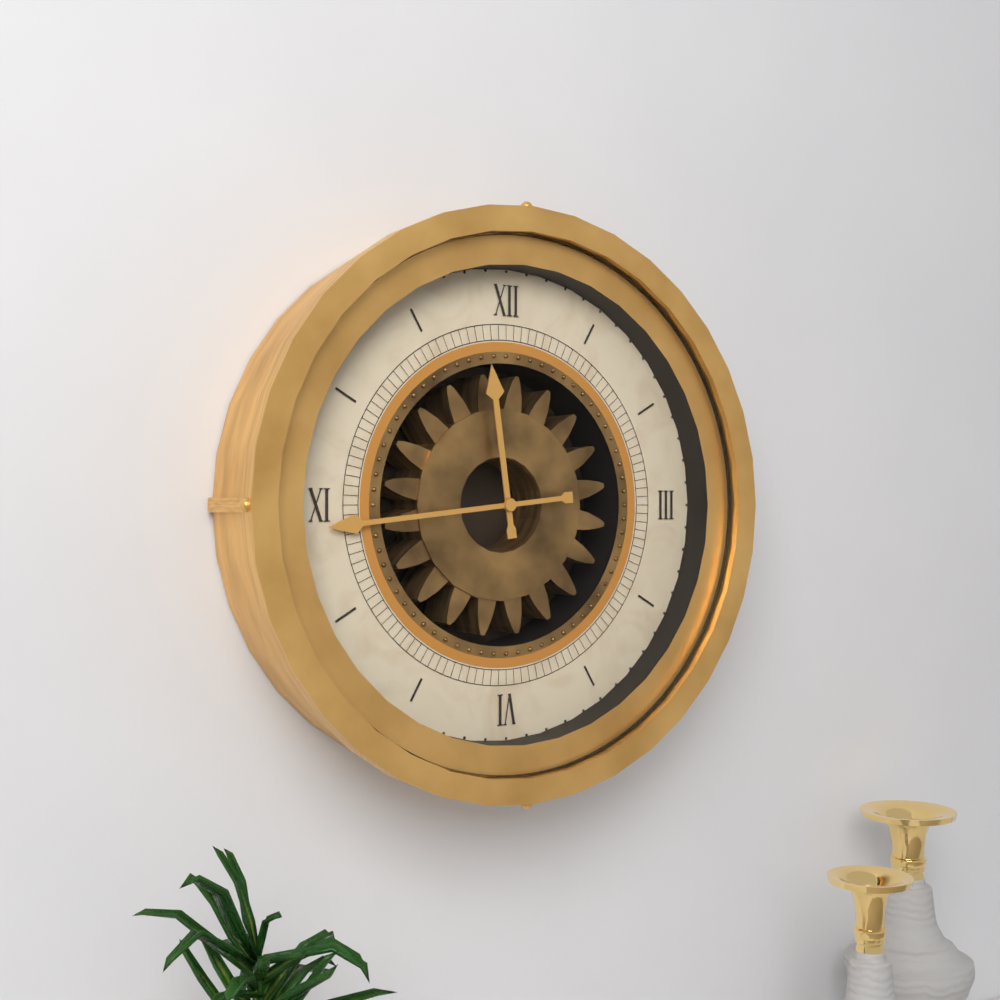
11:44
